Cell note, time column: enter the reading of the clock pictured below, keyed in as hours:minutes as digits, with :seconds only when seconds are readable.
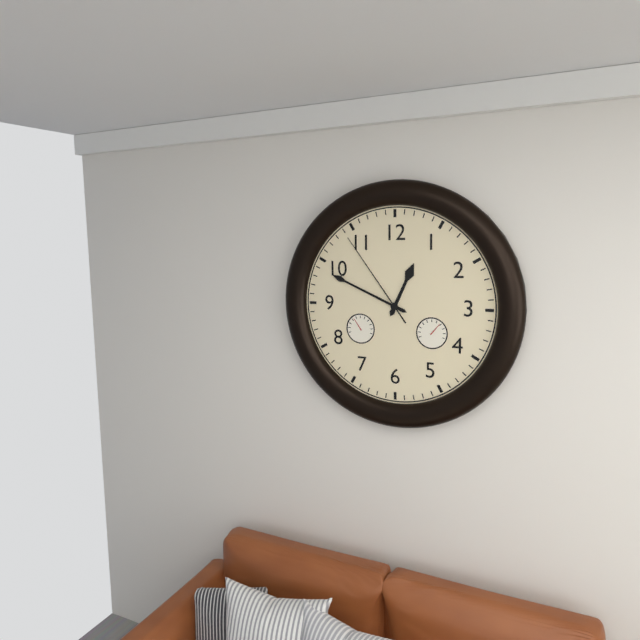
12:49:54
